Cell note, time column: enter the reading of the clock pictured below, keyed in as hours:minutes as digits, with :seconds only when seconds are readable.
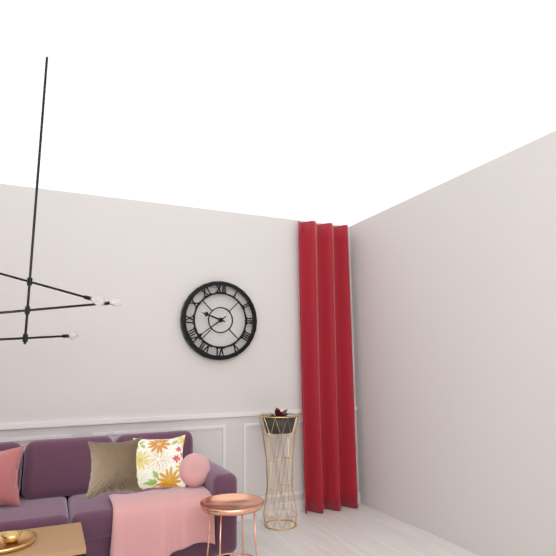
9:39
